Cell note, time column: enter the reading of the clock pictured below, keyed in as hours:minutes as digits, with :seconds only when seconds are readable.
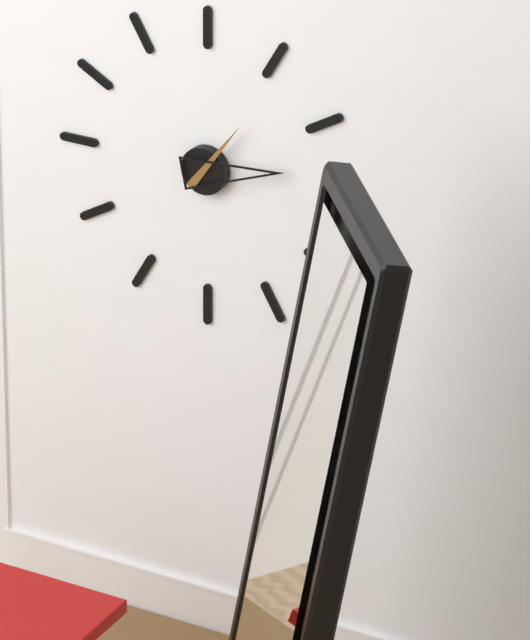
1:13
